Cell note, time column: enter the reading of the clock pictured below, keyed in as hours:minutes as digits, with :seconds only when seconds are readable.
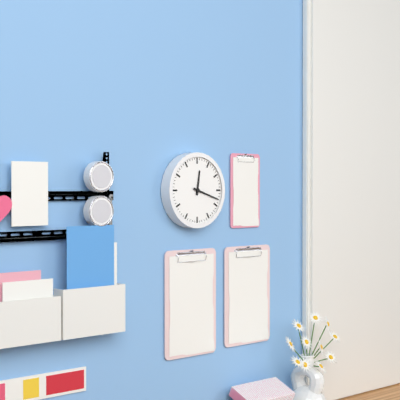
12:18
